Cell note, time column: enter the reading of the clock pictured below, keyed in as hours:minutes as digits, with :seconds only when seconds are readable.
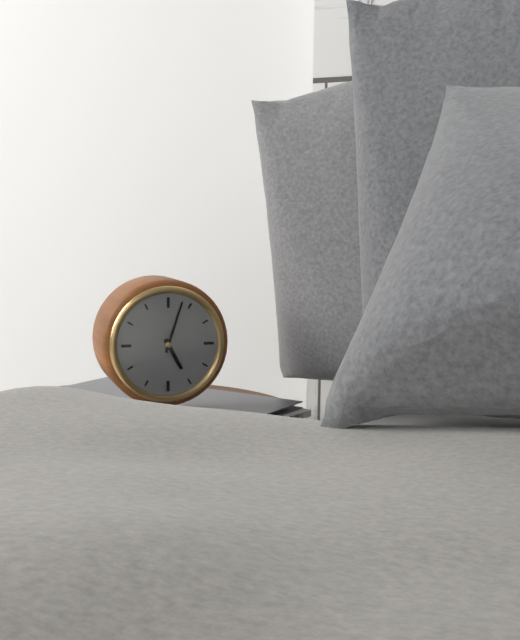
5:03
